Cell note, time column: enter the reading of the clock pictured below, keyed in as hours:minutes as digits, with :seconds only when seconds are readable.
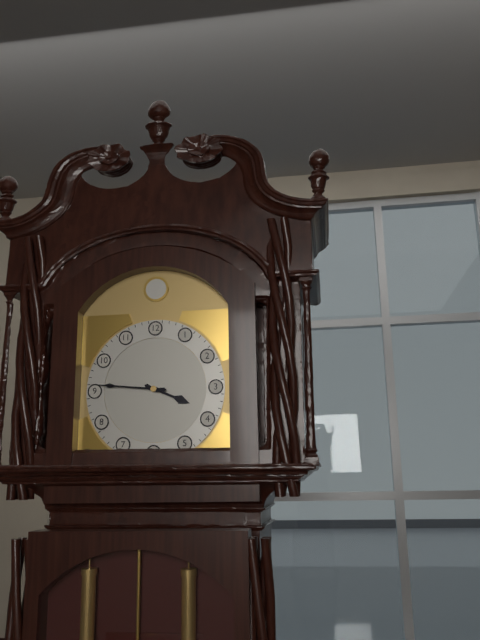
3:46
